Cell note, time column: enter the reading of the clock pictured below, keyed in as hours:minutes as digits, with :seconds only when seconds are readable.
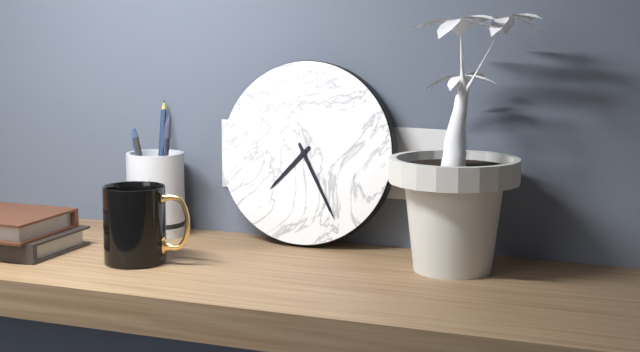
7:25
